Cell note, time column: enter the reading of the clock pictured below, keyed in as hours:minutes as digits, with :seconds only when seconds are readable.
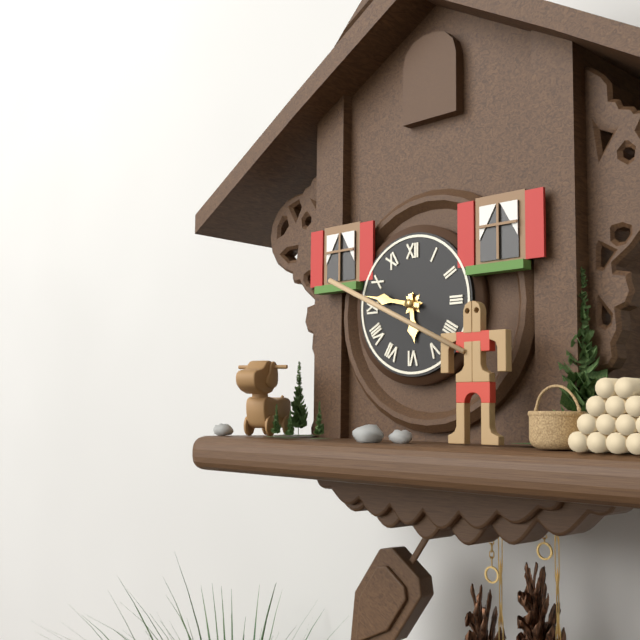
5:47
